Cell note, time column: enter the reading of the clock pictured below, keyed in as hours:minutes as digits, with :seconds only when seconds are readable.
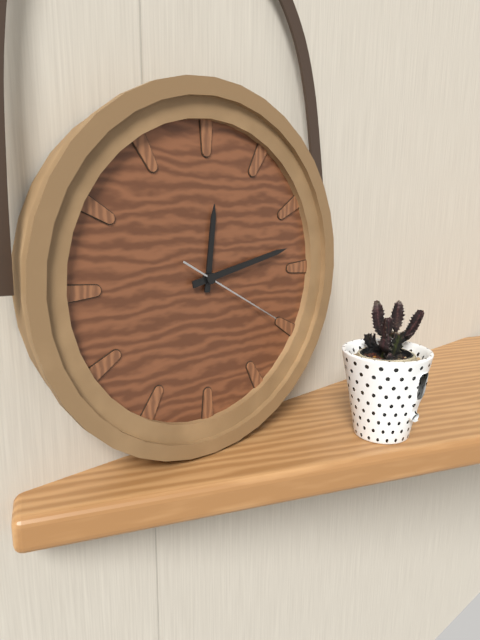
12:13:20
